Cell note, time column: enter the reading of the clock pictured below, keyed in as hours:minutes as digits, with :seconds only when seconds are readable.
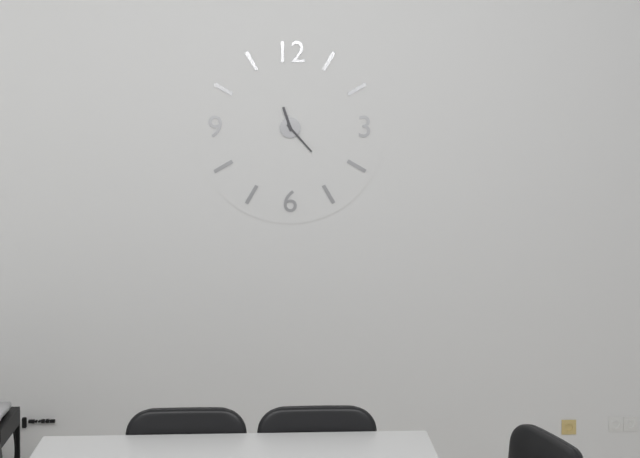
11:23
